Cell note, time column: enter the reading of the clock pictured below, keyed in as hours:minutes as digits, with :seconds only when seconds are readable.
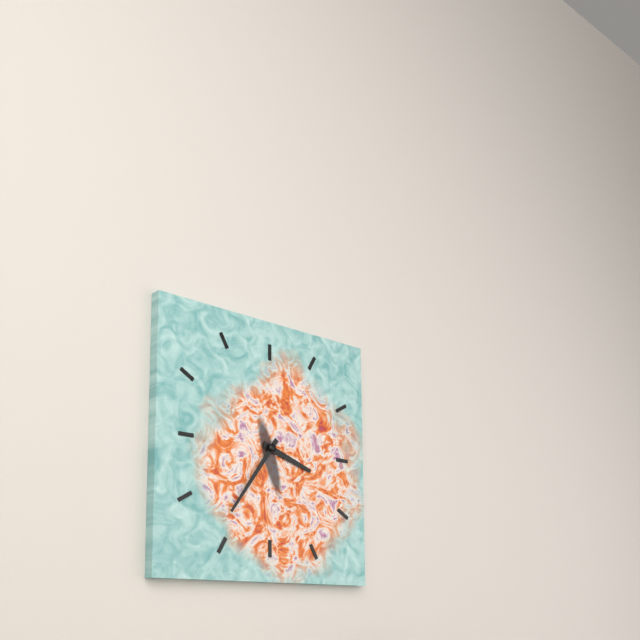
3:36
